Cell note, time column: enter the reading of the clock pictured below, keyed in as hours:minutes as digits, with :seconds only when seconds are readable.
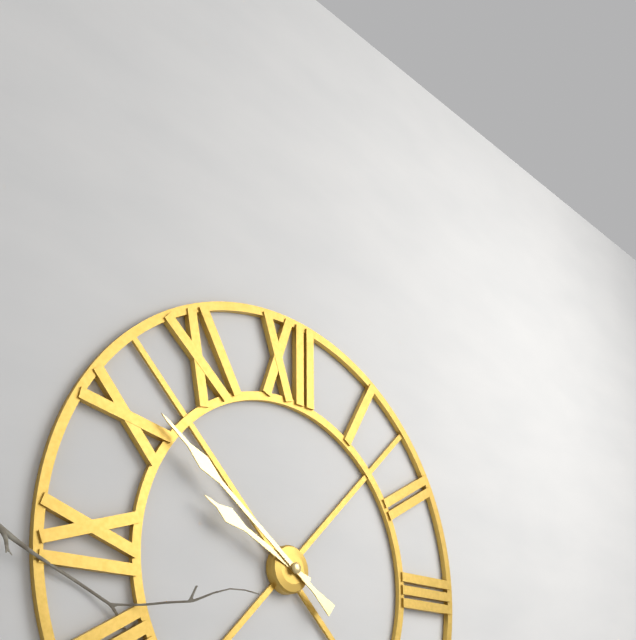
9:51
